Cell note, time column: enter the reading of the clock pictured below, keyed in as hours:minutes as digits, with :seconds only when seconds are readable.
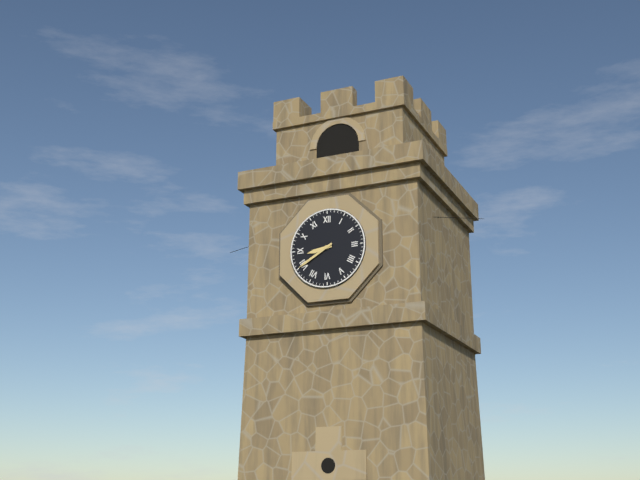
8:40
